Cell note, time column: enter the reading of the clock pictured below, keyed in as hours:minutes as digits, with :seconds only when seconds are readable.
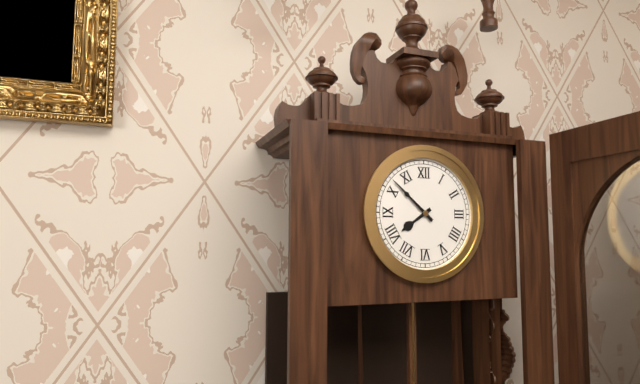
7:52
